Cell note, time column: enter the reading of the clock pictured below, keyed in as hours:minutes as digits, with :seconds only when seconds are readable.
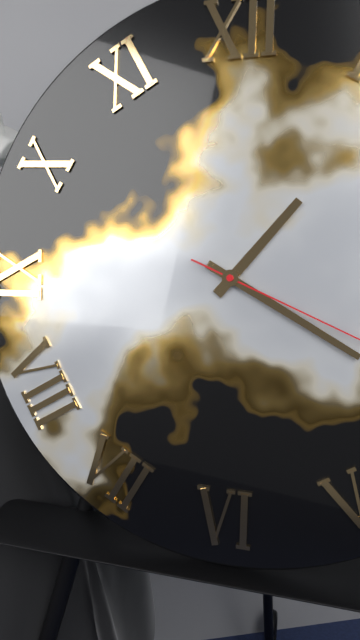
1:20
